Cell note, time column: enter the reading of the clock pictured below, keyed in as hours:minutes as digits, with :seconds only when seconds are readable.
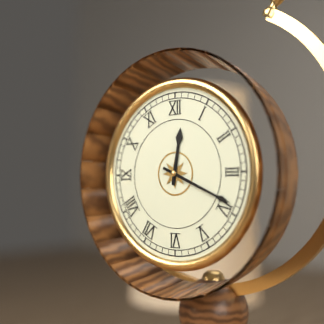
12:19
